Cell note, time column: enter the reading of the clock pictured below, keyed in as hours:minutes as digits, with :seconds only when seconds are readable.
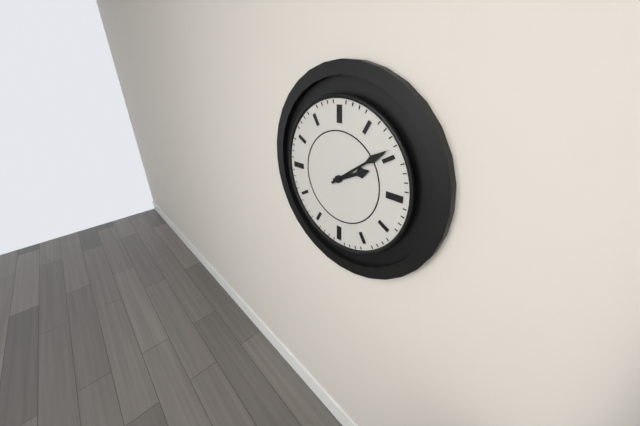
2:09
